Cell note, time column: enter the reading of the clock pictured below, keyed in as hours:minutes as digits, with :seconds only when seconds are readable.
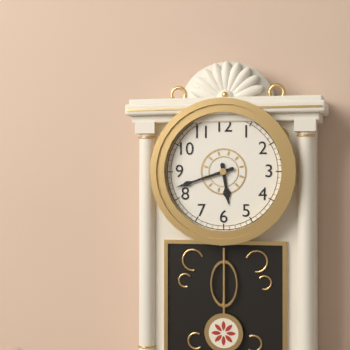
5:42
